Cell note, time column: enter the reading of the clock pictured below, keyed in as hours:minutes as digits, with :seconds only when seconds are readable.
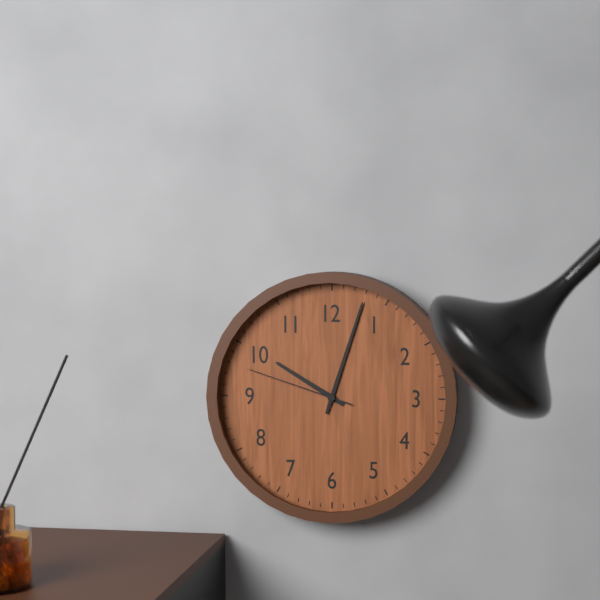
10:03:48
